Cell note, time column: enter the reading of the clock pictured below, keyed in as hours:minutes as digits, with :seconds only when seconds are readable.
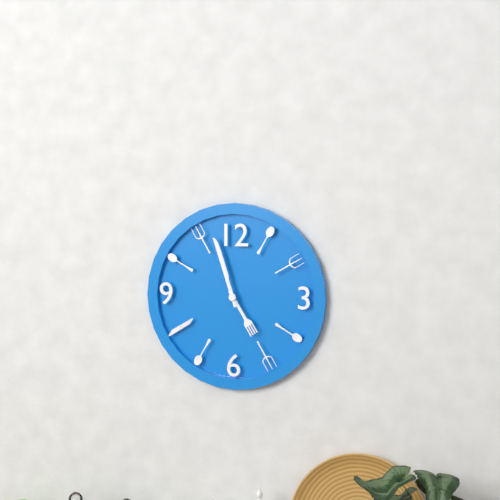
4:57
